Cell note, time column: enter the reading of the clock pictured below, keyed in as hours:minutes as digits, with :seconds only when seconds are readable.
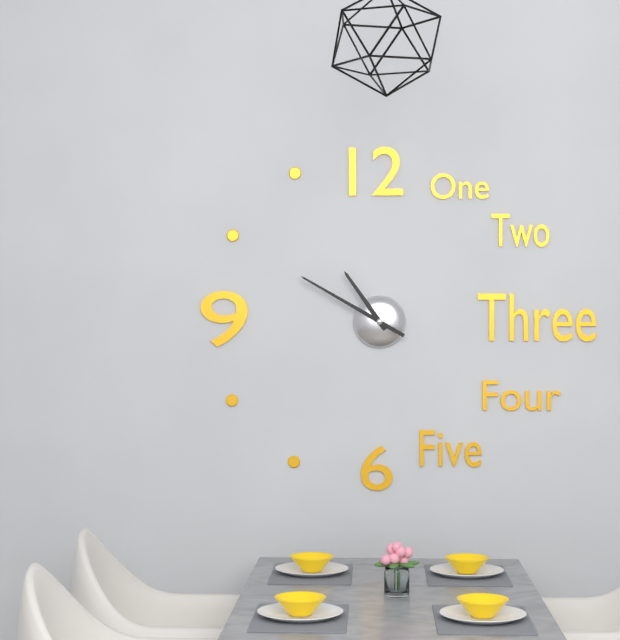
10:50
